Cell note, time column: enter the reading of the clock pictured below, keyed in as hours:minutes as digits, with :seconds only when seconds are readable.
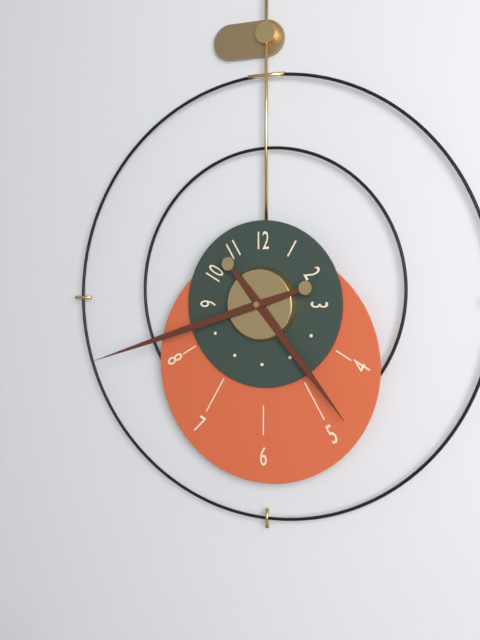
4:42
